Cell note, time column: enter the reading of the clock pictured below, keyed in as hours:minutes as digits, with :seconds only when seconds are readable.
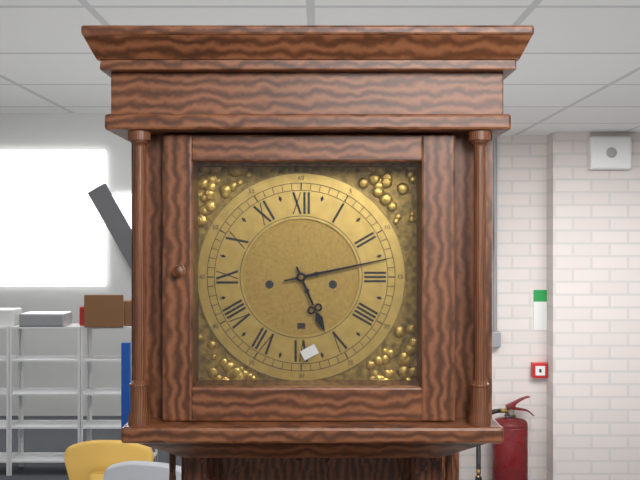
5:13
